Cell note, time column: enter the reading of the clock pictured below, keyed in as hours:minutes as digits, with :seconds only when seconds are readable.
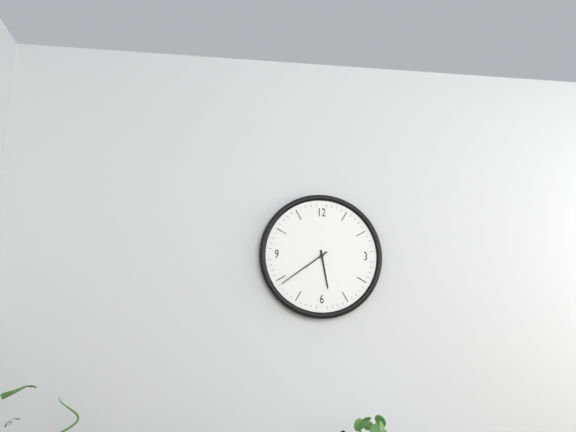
5:39
